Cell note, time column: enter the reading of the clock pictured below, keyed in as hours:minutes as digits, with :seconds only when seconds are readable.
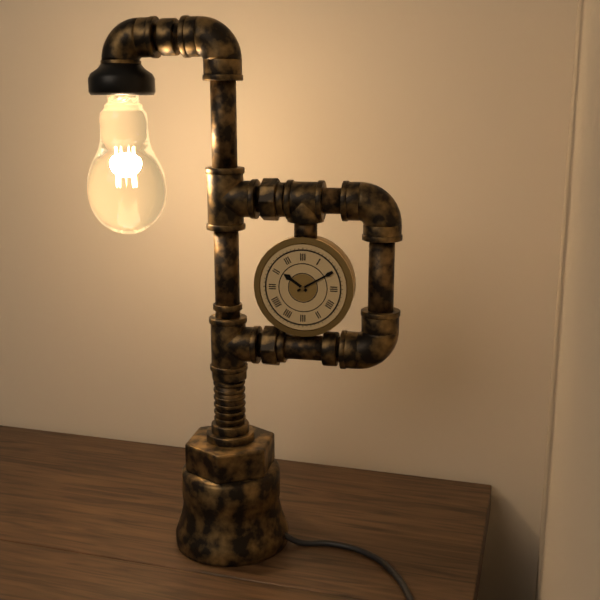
10:10
